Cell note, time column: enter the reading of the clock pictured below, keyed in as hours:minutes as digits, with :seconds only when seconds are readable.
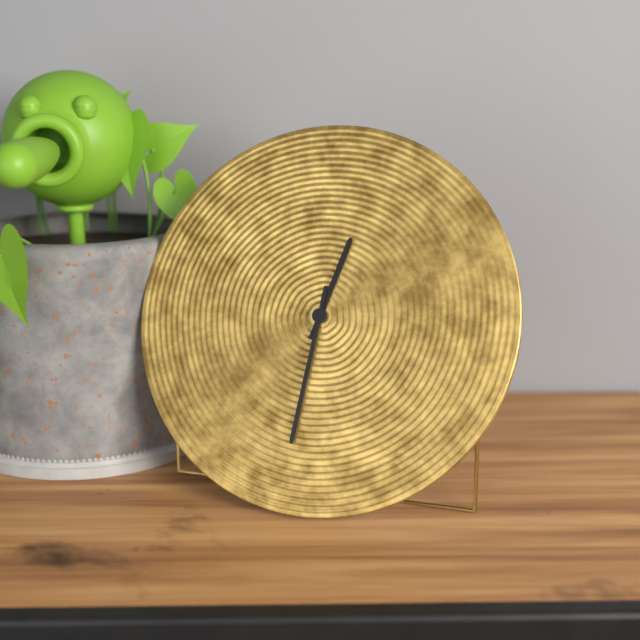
12:31
